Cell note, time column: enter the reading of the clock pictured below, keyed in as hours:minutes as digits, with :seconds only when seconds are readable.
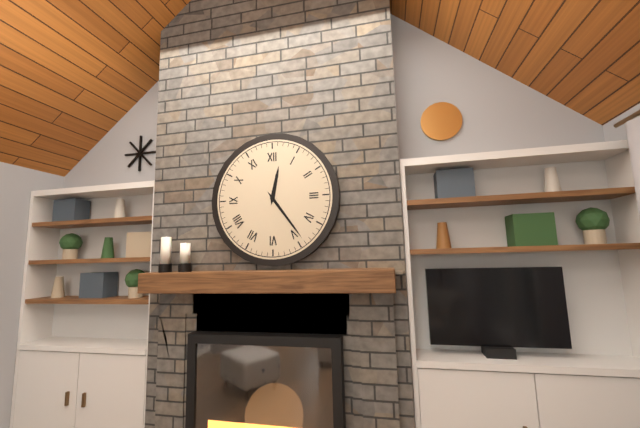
12:24
